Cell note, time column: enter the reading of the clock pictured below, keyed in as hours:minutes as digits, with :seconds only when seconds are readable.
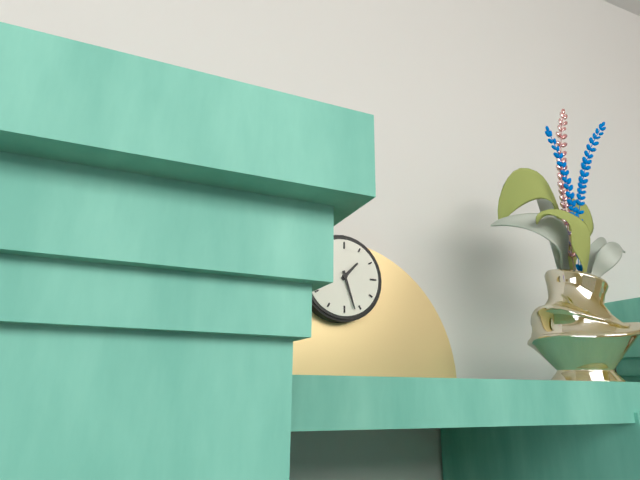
1:27
